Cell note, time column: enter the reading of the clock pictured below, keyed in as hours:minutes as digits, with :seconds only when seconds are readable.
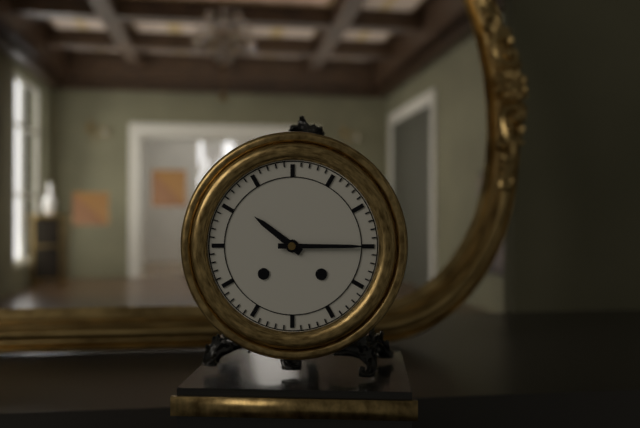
10:15
